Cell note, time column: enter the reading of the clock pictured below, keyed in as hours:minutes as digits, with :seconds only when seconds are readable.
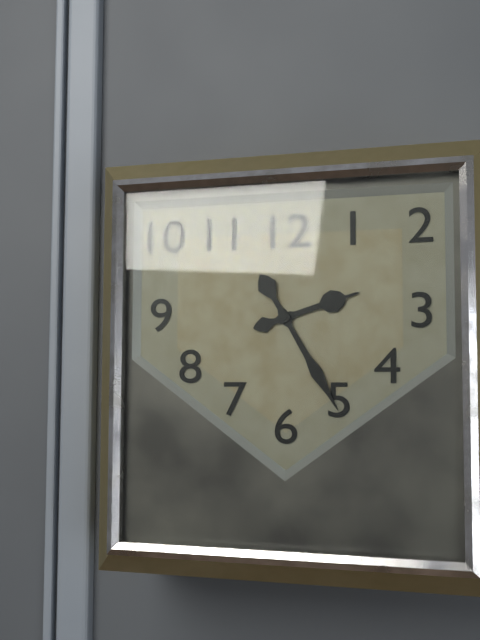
2:25
